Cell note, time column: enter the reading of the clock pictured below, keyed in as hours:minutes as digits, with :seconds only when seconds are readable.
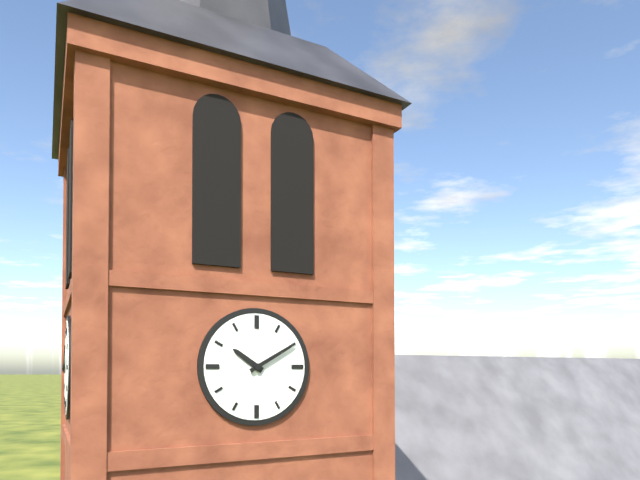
10:10
